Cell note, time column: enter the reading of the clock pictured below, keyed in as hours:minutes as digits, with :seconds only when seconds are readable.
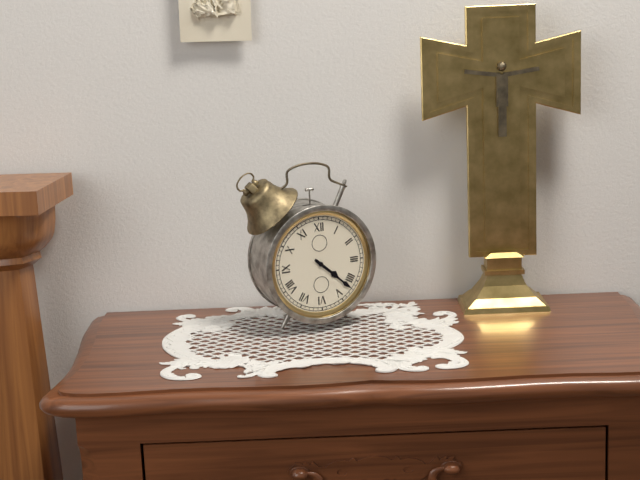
4:22
